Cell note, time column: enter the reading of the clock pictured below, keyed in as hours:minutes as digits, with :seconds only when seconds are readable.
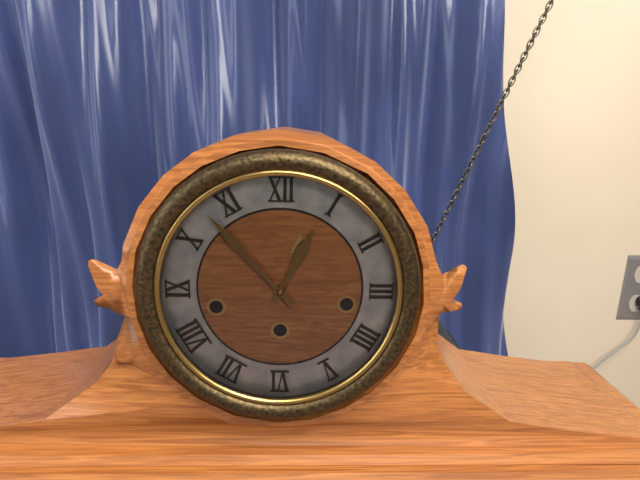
12:53
